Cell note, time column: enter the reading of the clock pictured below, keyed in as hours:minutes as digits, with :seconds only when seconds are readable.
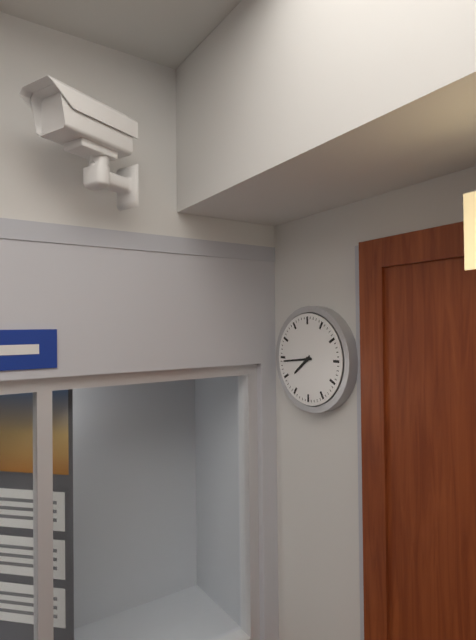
7:44
